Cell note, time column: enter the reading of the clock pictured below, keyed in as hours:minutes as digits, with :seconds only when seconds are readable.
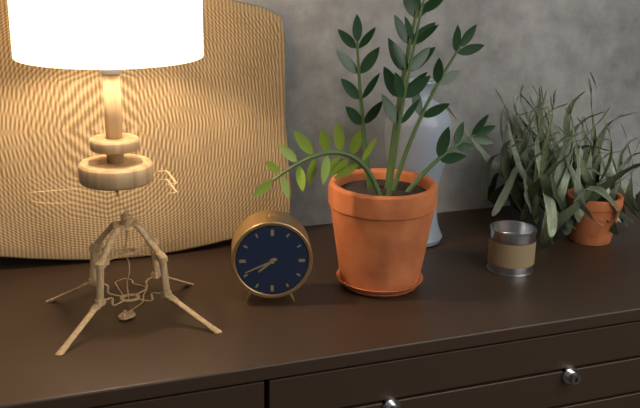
7:41
